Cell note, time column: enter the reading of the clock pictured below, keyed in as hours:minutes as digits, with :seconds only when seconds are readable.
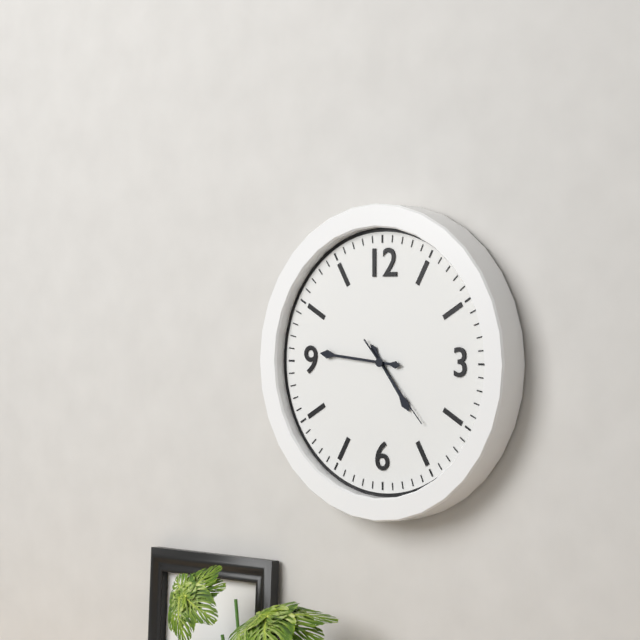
4:46:23
